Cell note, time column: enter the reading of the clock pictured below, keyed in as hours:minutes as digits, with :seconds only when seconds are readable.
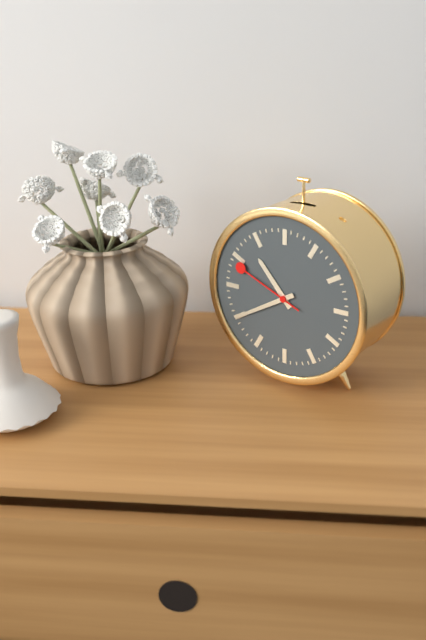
10:40:49
